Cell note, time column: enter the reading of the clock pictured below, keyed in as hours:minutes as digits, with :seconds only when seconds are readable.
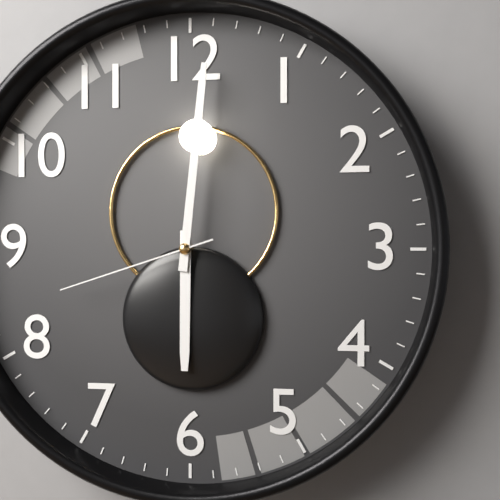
6:01:42
